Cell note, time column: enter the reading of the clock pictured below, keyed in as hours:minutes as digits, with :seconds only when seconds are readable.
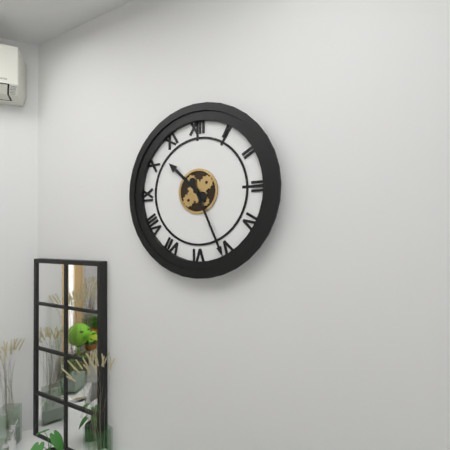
10:26
